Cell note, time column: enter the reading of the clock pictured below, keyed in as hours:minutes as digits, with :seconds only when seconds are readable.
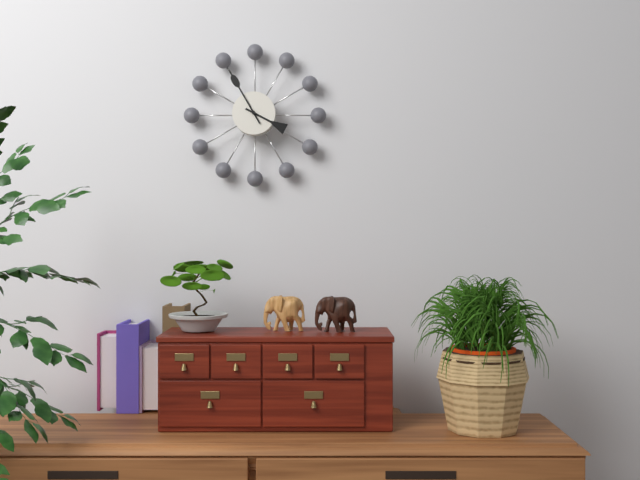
3:55
